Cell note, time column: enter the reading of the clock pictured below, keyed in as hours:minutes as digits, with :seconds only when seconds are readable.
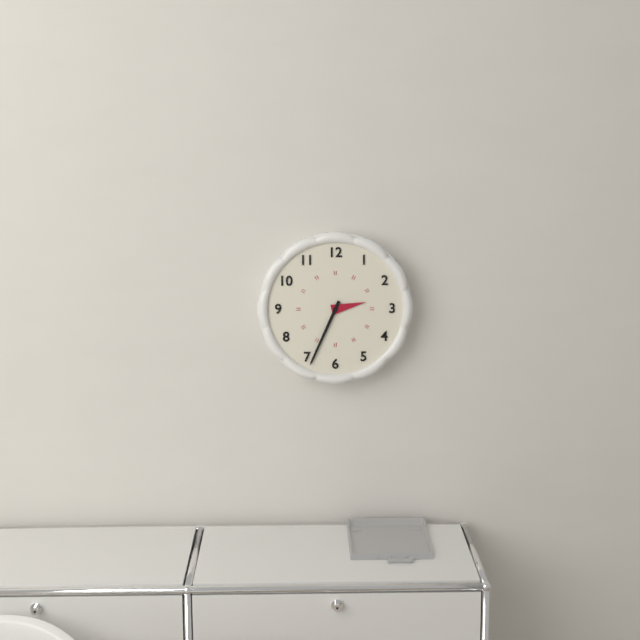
2:34
